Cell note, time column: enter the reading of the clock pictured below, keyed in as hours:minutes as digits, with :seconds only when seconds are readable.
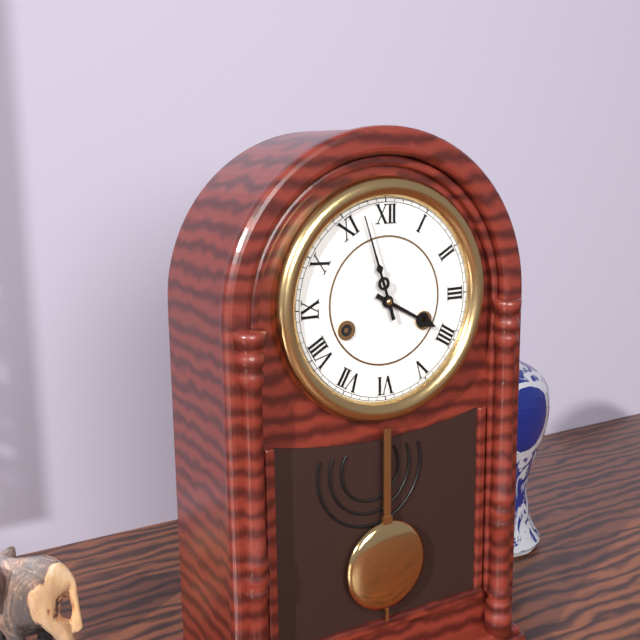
3:57
